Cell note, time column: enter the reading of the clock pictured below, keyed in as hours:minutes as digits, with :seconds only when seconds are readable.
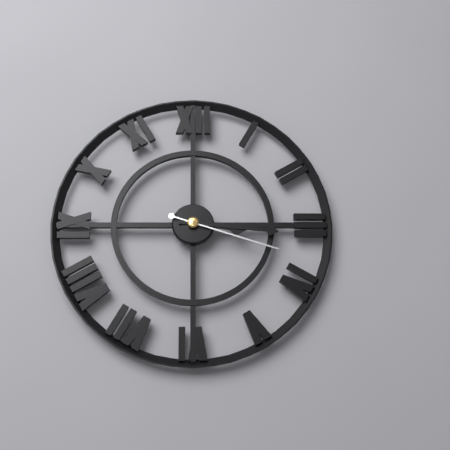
3:16:18
